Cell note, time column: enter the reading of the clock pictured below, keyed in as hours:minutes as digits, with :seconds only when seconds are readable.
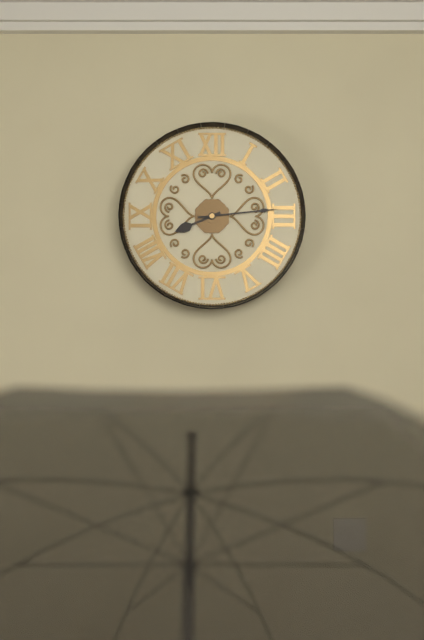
8:14
